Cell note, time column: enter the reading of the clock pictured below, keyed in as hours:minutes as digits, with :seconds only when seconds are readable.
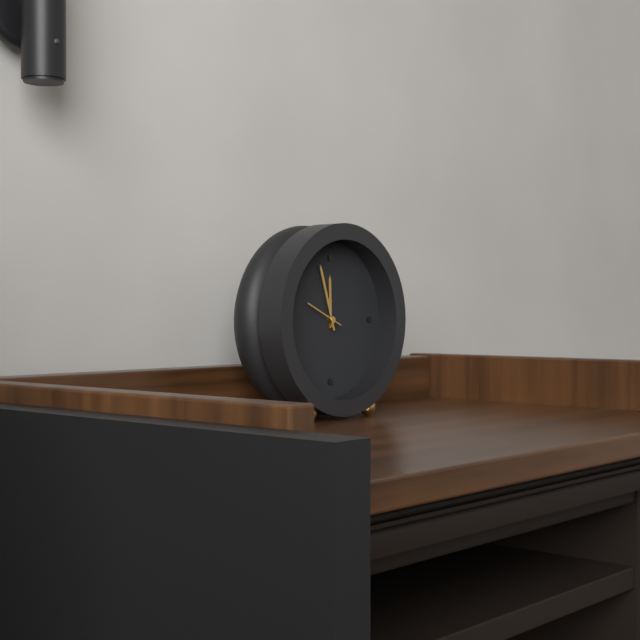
11:57
